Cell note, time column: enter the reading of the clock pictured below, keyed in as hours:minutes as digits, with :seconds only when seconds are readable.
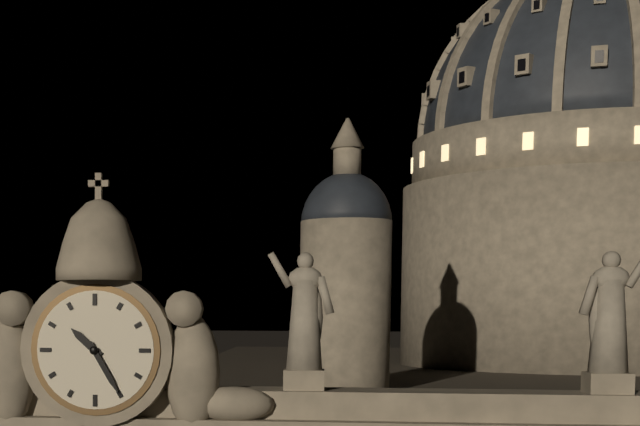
10:25
